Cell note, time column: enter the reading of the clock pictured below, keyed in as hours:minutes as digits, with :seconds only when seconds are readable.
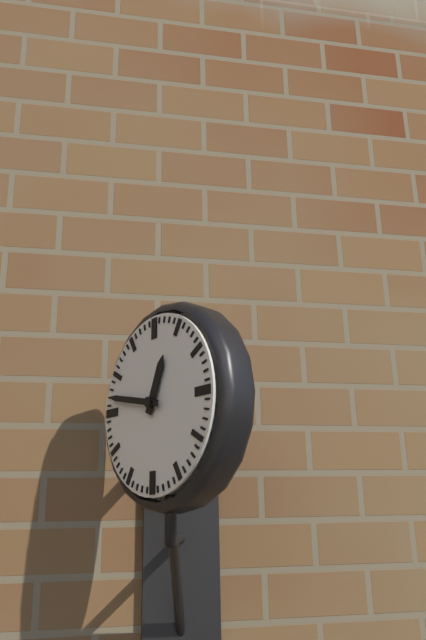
12:47
